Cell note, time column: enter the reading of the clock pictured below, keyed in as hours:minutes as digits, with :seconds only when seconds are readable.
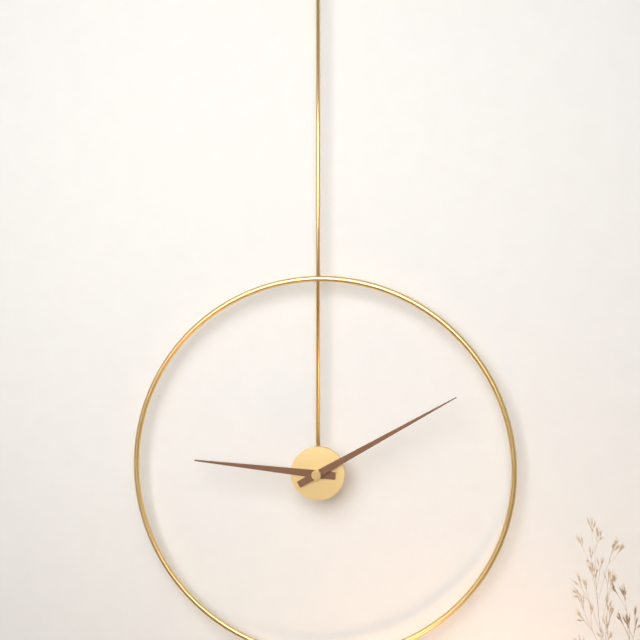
9:10
